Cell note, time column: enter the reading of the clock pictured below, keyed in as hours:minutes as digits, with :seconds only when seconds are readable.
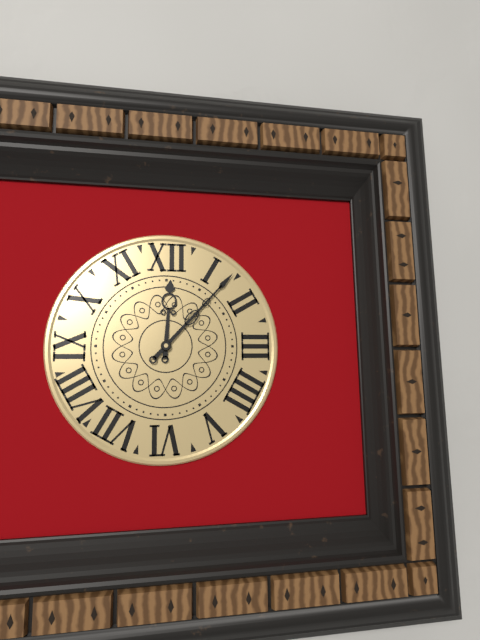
12:07
